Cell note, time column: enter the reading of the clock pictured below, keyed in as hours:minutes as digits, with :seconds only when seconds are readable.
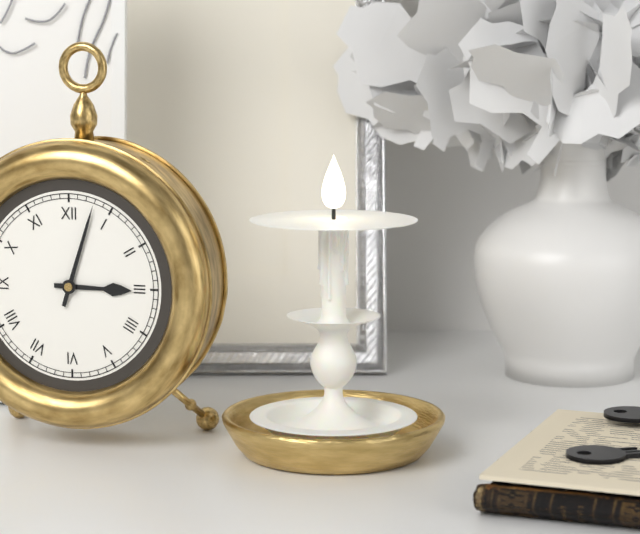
3:03
